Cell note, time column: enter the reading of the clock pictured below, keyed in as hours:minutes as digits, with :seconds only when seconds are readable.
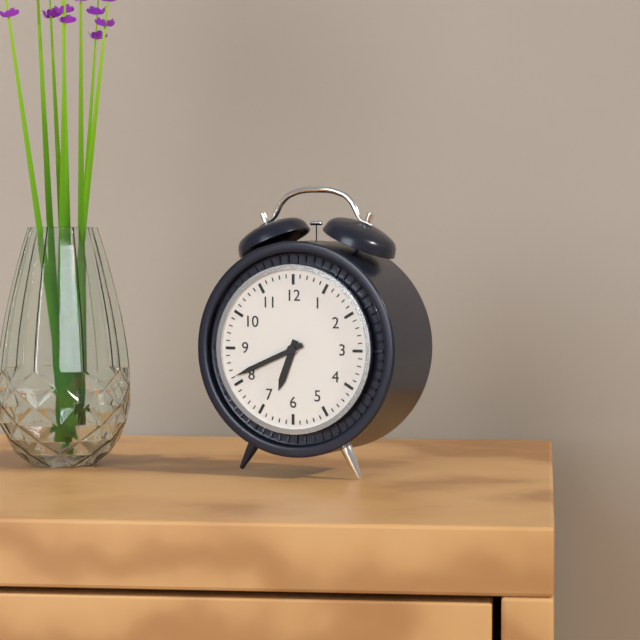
6:41
